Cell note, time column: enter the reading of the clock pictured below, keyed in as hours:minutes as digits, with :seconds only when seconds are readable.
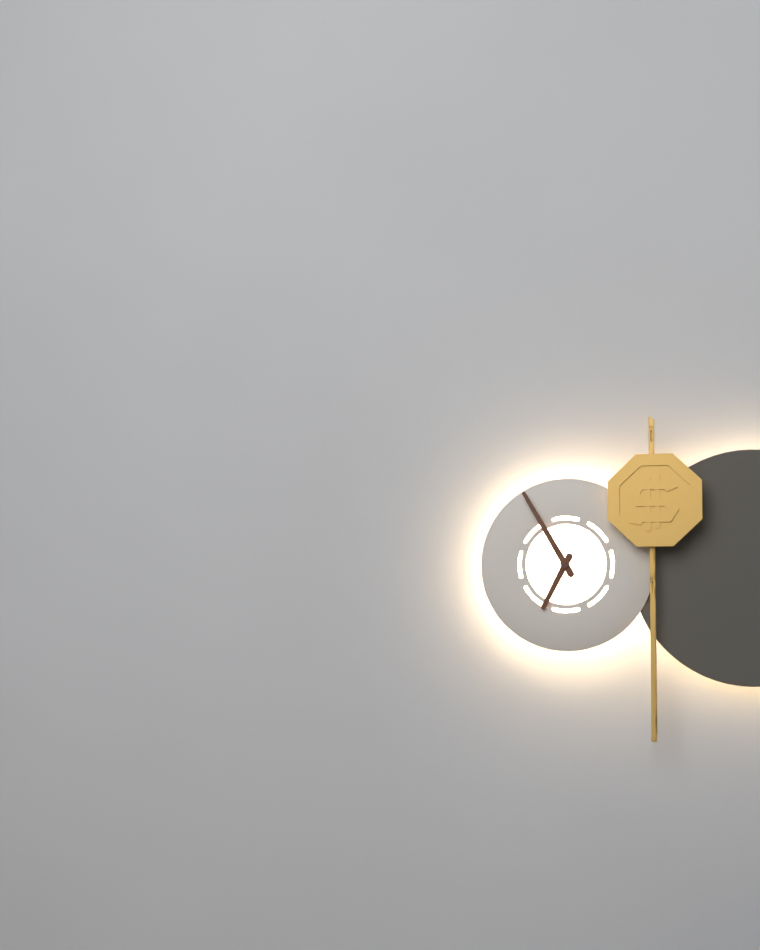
6:55
